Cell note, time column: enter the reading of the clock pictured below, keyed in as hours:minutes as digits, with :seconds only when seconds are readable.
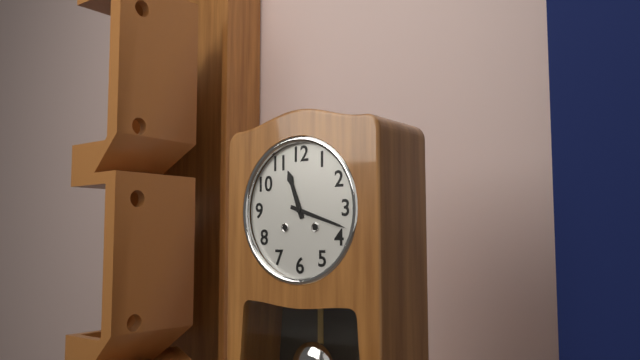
11:18
